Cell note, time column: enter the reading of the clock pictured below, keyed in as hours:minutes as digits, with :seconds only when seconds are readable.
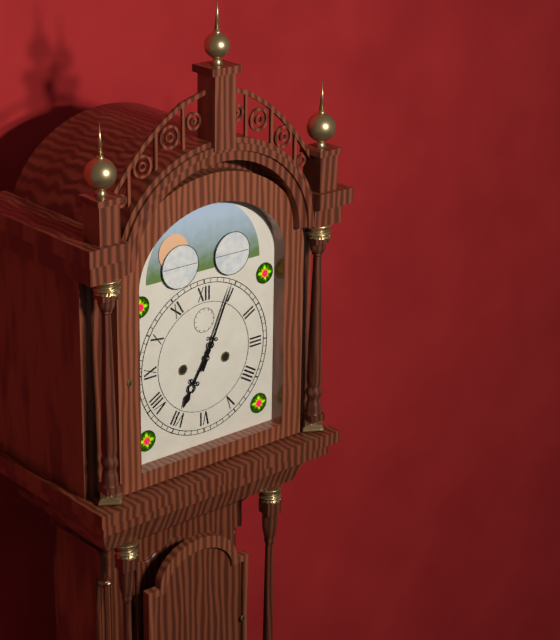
7:04
